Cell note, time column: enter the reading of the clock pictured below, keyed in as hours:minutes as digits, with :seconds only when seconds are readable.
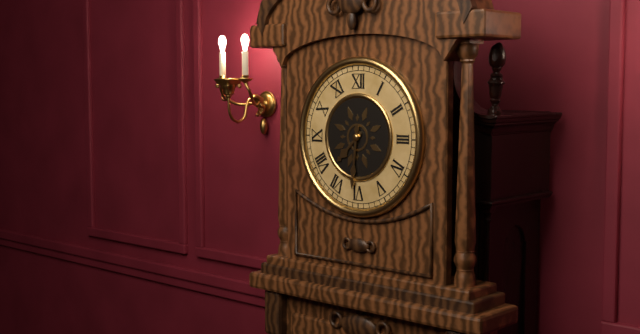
7:31
